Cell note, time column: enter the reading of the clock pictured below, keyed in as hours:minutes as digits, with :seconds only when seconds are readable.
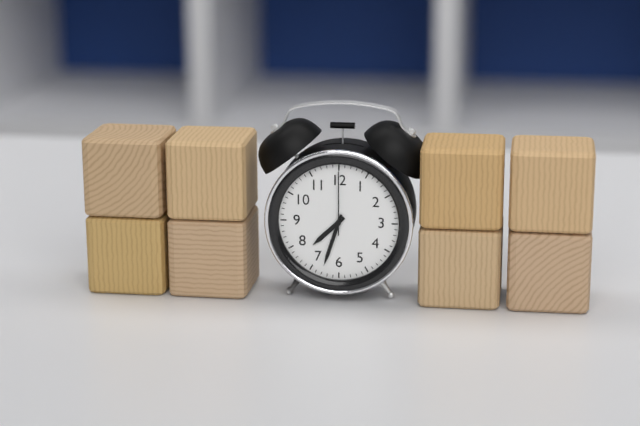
7:33:00
